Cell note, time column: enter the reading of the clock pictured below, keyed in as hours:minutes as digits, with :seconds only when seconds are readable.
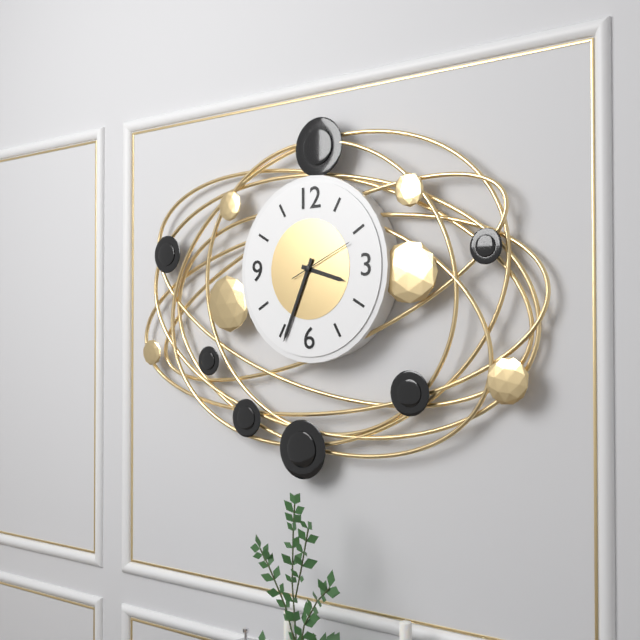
3:34:11
